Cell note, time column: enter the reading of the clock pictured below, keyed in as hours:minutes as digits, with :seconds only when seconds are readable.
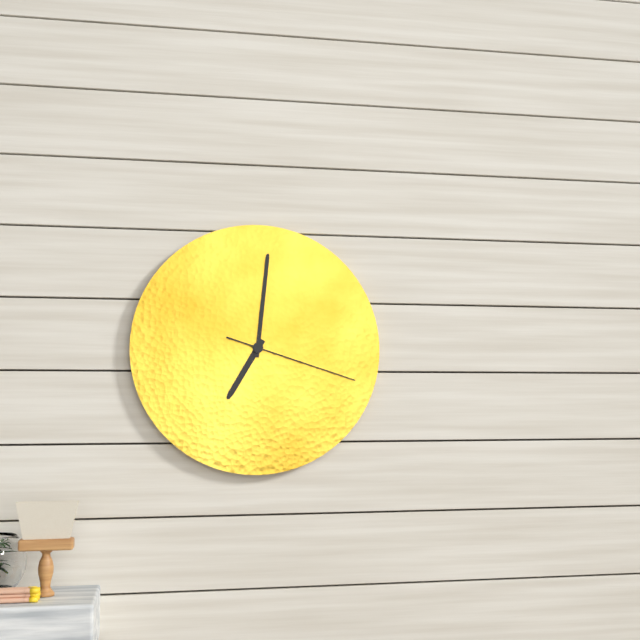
7:01:18
